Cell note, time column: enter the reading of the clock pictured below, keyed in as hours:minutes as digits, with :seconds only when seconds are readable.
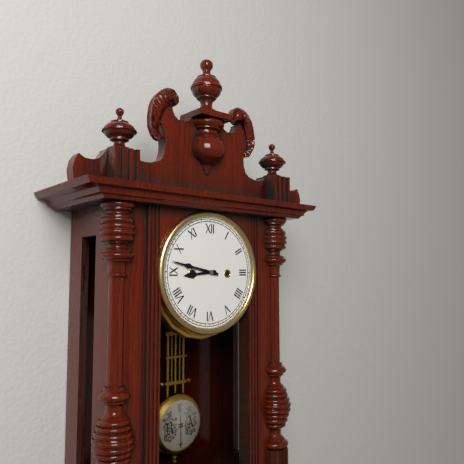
8:47
